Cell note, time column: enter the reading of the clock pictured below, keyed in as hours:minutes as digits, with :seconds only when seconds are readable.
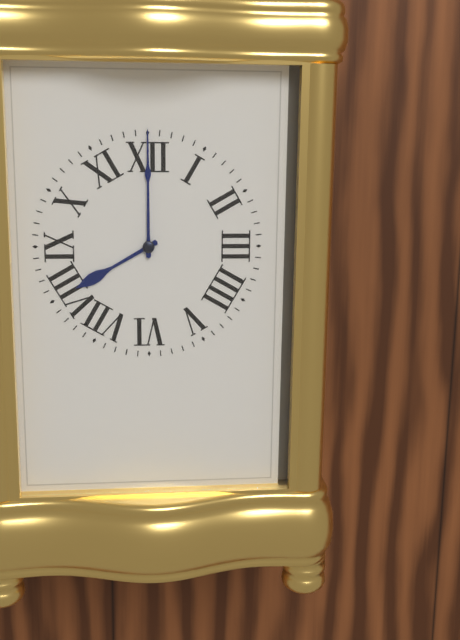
8:00
